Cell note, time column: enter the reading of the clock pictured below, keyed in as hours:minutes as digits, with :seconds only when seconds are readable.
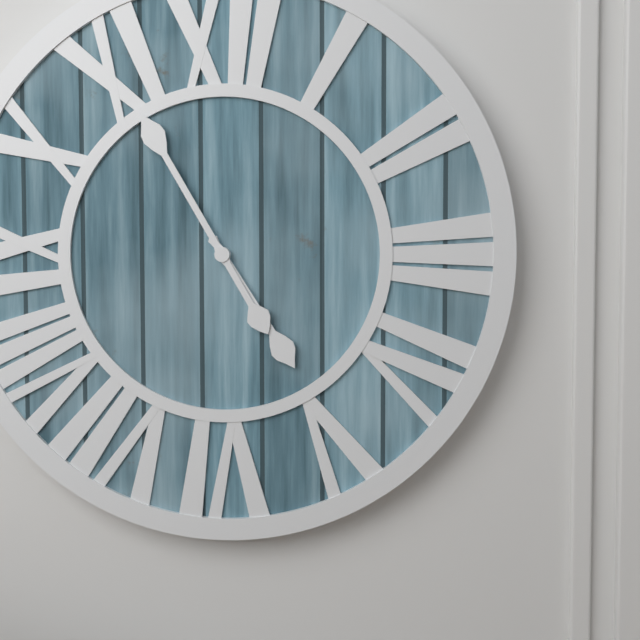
4:55
